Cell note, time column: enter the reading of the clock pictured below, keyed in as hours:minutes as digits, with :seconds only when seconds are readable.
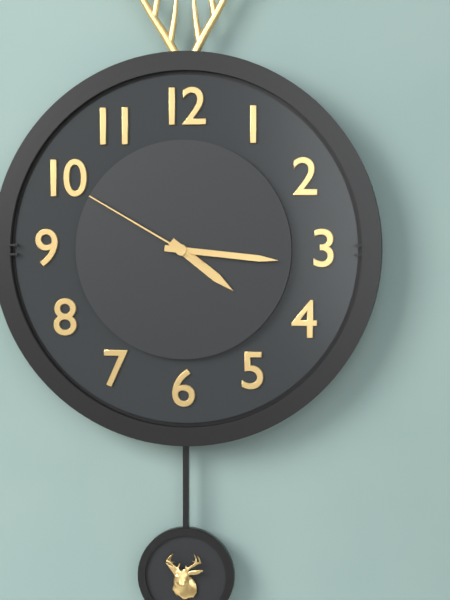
4:16:50
